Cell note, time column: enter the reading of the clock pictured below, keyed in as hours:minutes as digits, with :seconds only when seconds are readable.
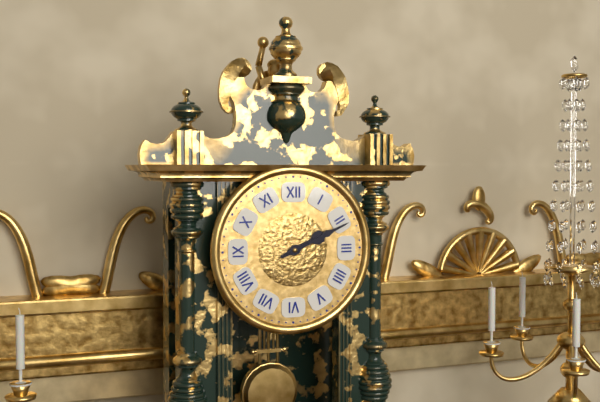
2:11
